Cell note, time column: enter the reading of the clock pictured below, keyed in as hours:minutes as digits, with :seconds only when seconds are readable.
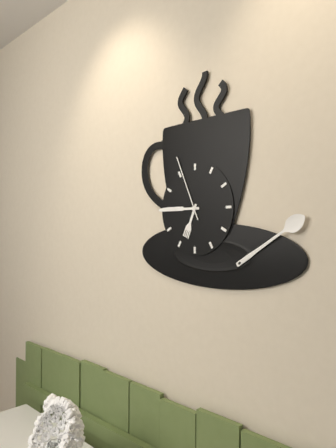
6:45:56
